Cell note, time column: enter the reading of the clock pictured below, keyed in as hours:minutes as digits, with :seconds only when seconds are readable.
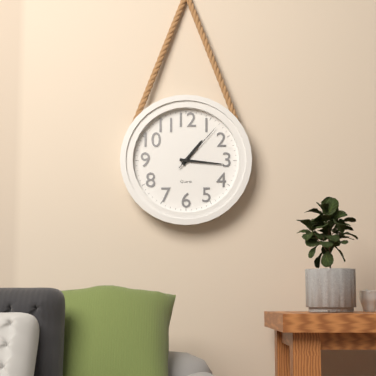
1:16:07
